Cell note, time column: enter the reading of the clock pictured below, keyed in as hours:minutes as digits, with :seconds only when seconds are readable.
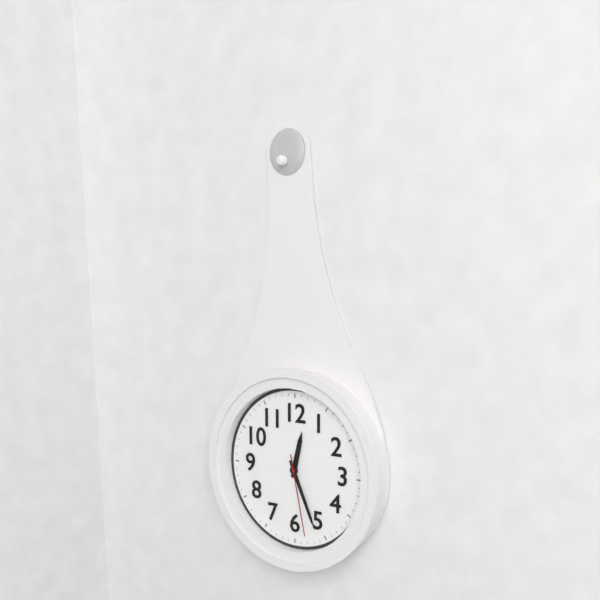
12:26:28
